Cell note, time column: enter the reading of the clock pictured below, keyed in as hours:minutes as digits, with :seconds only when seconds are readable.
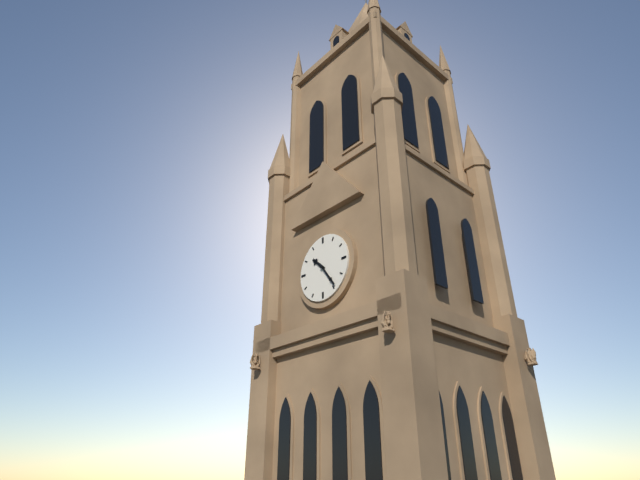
10:24
